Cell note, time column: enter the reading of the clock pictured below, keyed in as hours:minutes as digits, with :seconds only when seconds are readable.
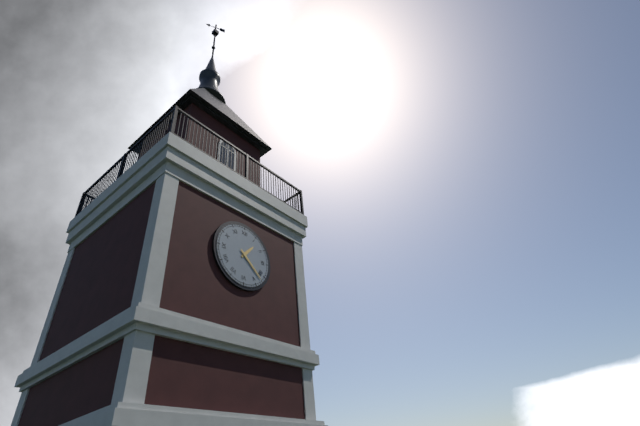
1:22
